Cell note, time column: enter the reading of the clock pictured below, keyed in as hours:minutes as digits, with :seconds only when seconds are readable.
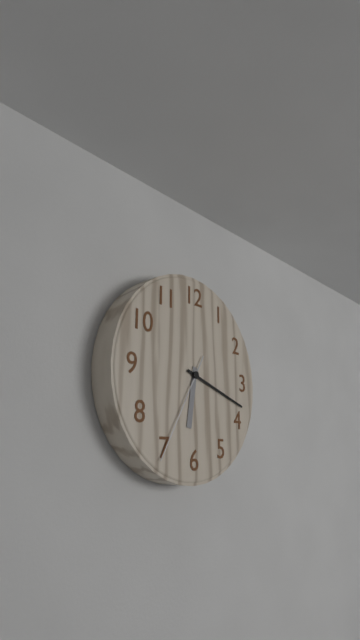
6:18:35
